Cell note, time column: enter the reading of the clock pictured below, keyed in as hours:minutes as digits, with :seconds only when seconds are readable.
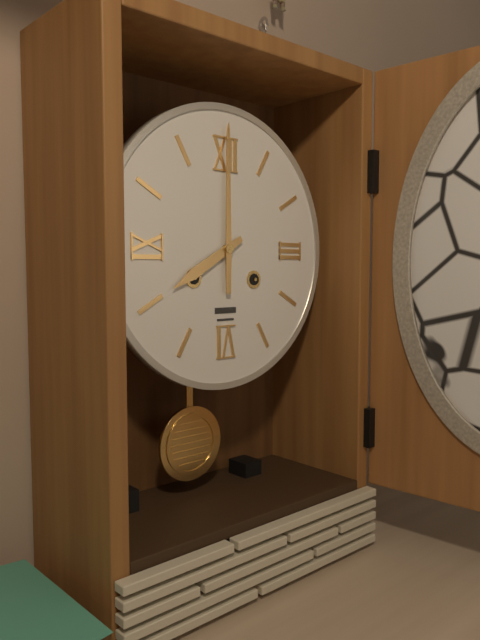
8:00
